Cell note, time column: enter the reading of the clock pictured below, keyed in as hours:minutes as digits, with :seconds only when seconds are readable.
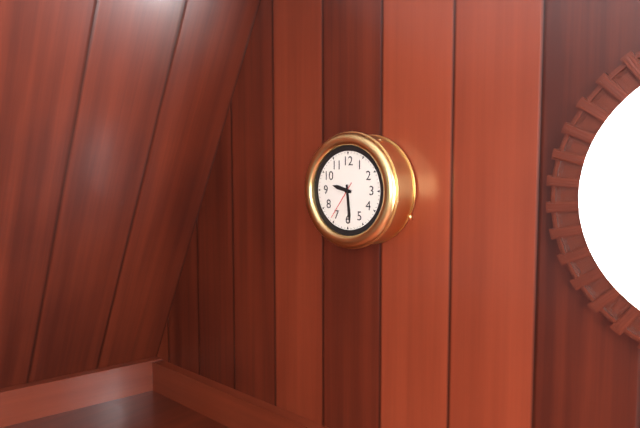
9:29
